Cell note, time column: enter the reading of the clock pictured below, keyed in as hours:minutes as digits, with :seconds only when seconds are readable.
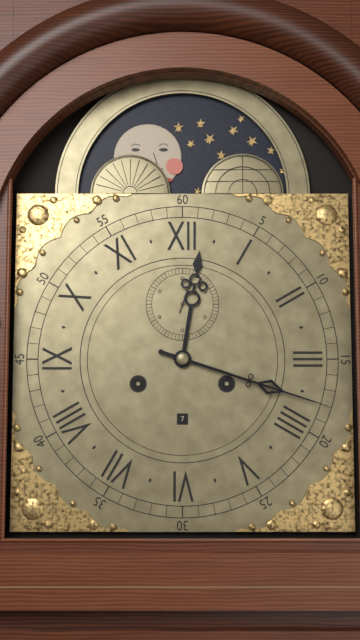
12:18
